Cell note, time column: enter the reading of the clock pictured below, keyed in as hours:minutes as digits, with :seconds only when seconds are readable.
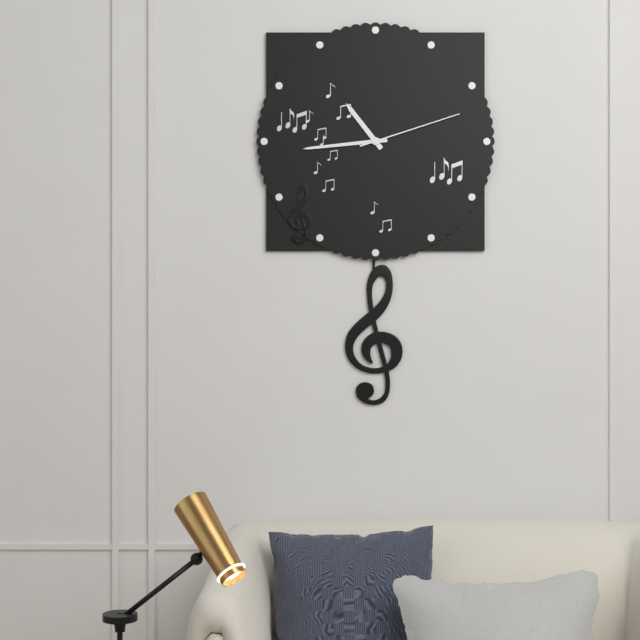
10:44:12
